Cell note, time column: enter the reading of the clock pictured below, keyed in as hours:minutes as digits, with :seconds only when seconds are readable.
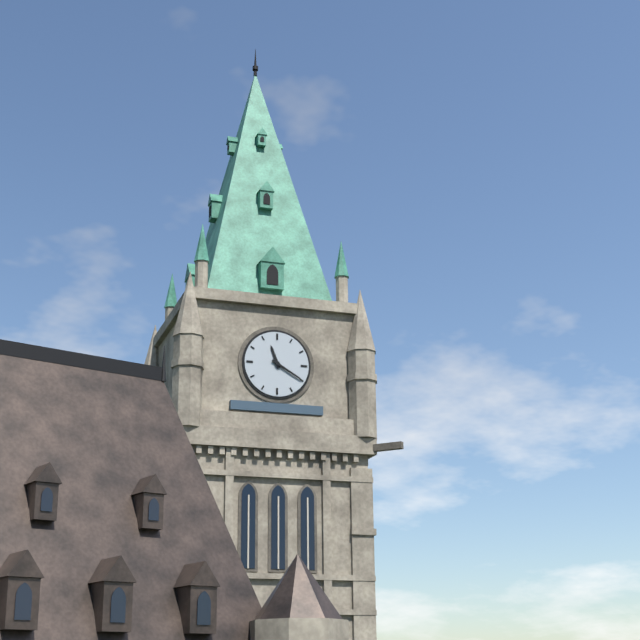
11:20
